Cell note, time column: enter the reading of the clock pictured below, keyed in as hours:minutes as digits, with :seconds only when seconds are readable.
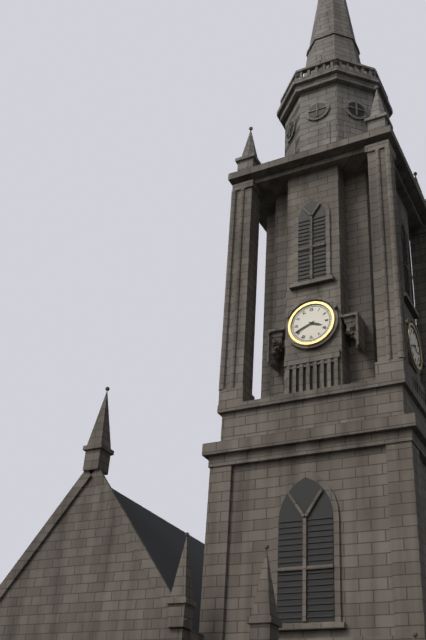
3:41
